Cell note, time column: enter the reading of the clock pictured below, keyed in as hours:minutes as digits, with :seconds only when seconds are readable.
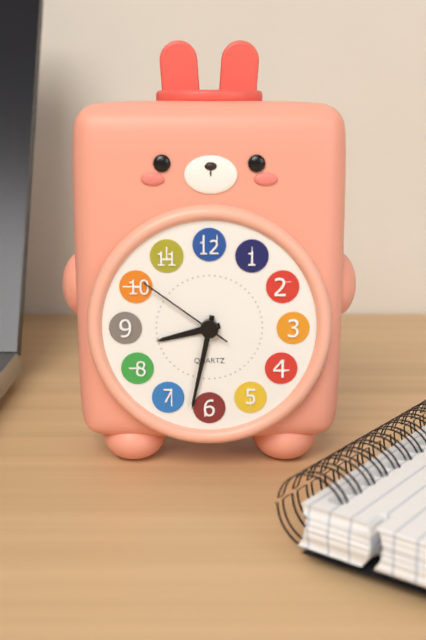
8:32:51
